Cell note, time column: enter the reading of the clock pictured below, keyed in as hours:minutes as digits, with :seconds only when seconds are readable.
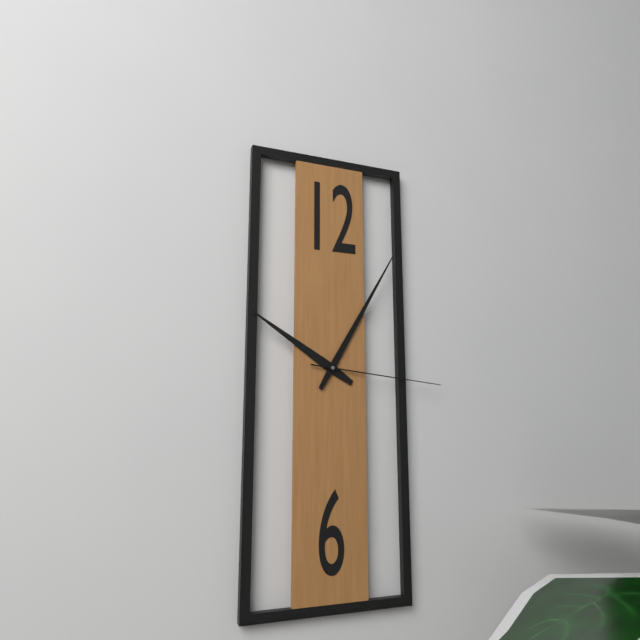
10:05:16
